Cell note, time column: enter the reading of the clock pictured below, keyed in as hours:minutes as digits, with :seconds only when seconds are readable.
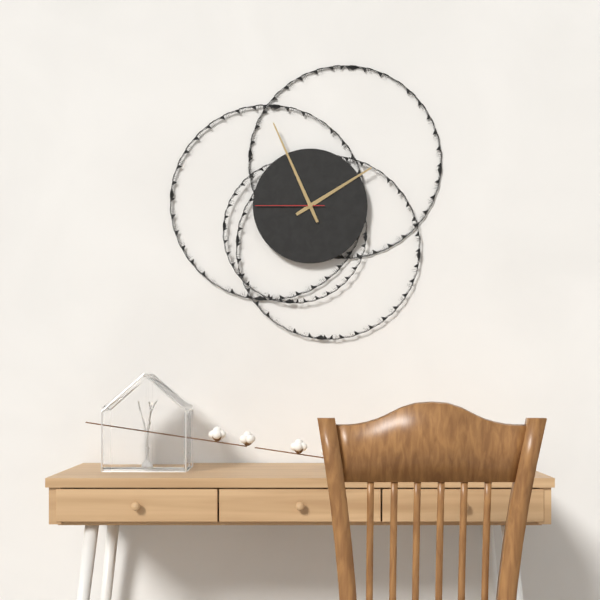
1:56:45
